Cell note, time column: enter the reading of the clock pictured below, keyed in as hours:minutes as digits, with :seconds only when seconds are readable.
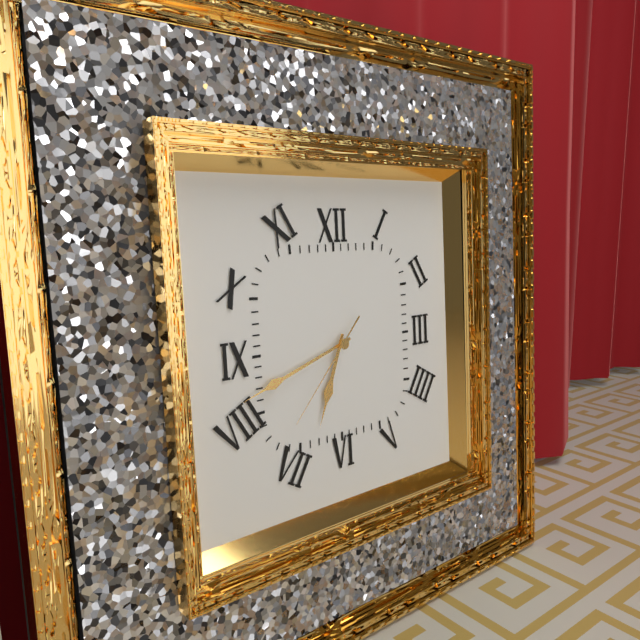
6:42:37
